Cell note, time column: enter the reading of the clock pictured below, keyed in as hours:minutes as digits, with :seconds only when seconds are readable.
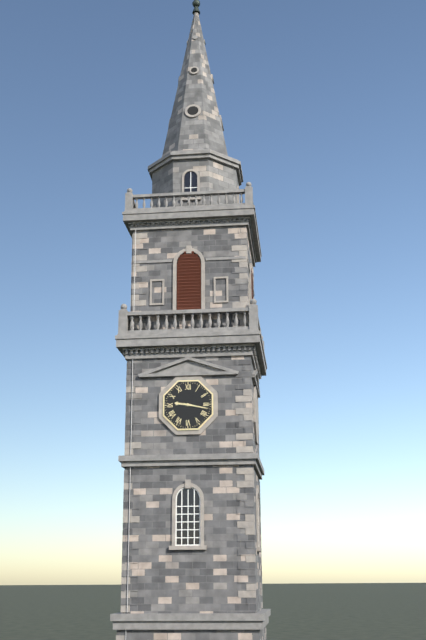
9:17
